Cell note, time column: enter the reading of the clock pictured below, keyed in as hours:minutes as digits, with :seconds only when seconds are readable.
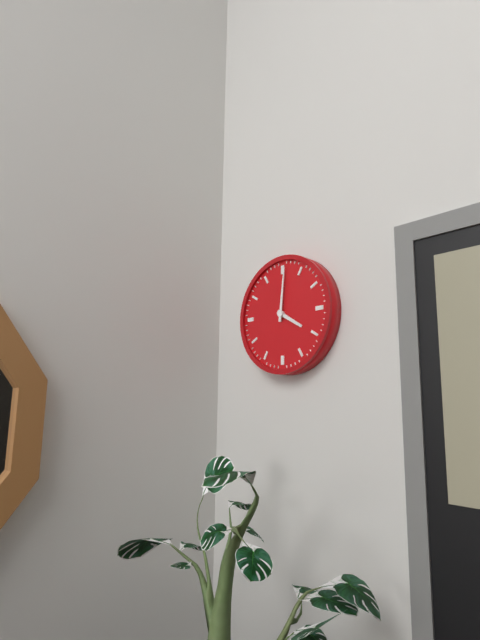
4:01
